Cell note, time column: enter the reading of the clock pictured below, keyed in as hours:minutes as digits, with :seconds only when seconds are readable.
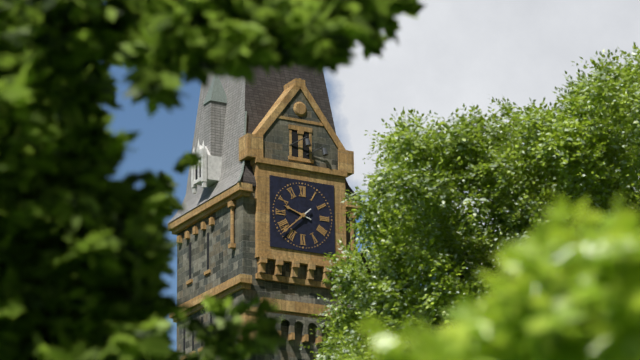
9:38
